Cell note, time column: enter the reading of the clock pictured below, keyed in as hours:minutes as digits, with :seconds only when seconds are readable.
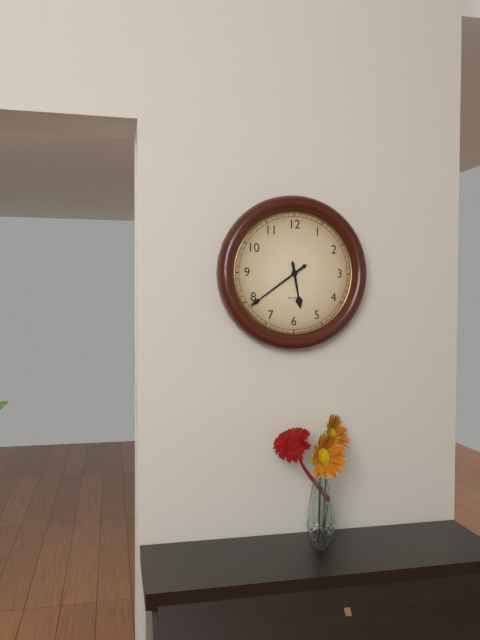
5:39
